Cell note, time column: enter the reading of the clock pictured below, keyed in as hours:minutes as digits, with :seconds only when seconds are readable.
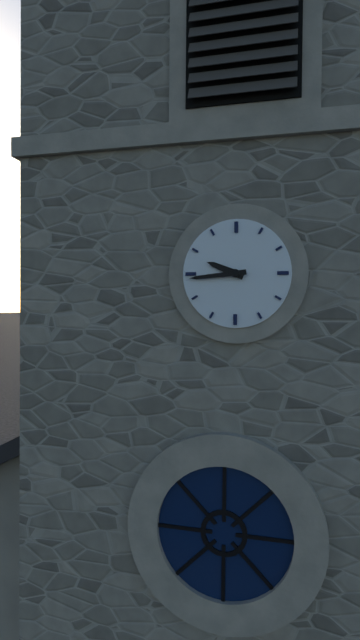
9:44
